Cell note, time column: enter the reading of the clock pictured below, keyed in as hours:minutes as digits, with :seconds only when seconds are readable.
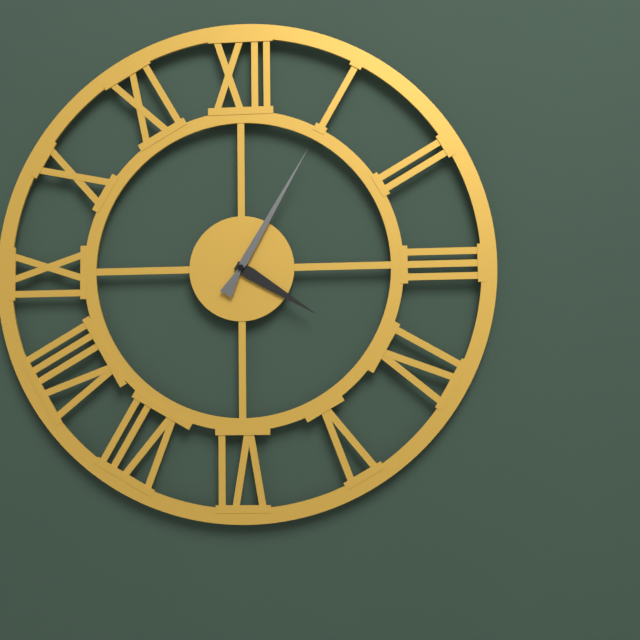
4:05
